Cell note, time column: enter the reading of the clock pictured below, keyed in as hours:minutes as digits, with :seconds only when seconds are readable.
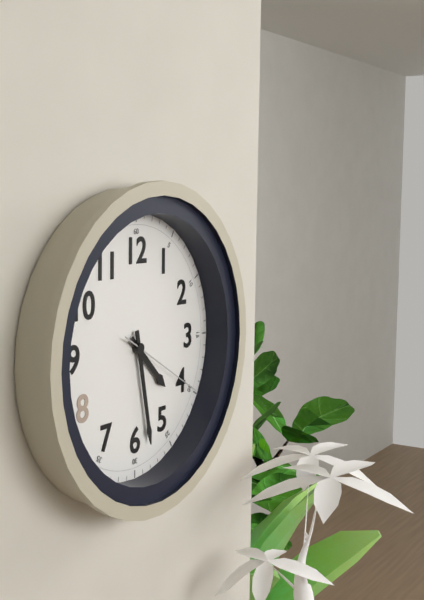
4:28:20
